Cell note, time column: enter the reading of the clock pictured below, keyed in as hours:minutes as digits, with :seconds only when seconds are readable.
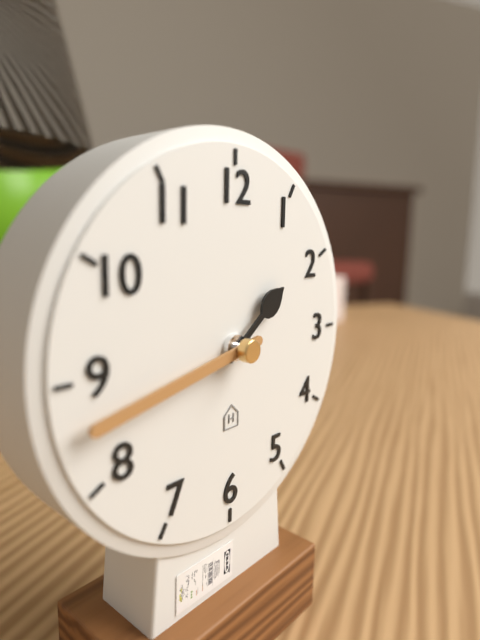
1:43
